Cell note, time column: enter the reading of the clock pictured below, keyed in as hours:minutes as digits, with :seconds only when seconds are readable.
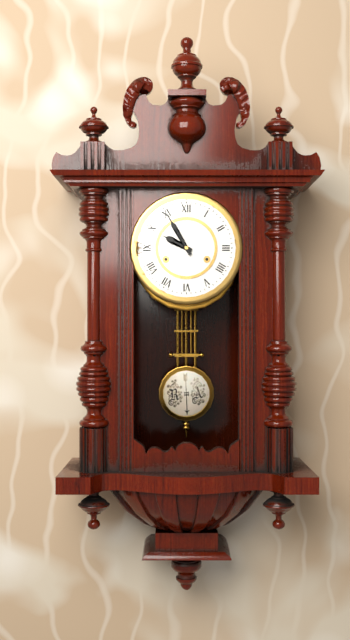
9:55
